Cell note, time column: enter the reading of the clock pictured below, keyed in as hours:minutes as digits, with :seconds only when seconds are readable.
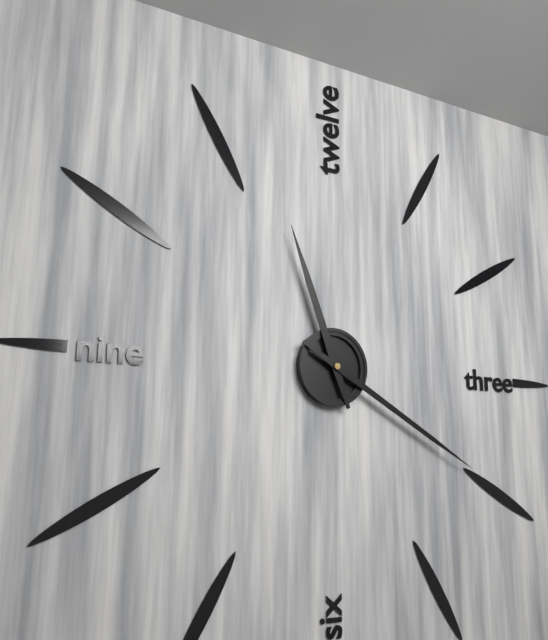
11:20
